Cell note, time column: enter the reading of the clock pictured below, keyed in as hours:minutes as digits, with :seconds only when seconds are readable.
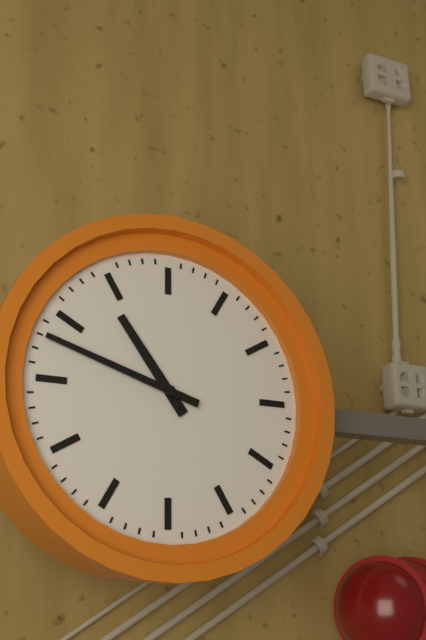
10:48
